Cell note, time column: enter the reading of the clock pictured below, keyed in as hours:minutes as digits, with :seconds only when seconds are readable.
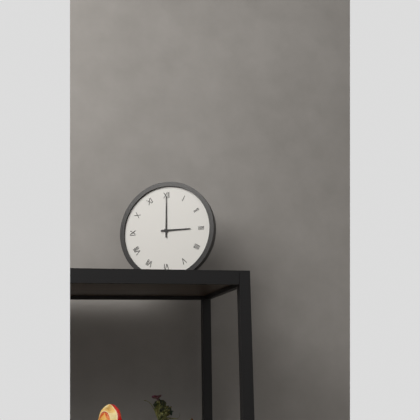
3:00
